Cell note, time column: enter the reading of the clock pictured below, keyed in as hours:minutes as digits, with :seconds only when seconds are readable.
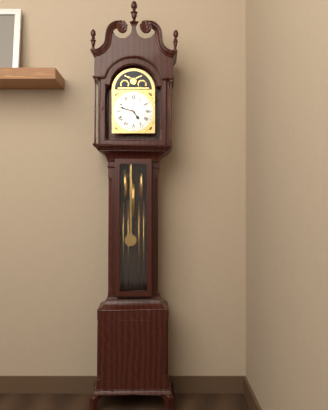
4:48
